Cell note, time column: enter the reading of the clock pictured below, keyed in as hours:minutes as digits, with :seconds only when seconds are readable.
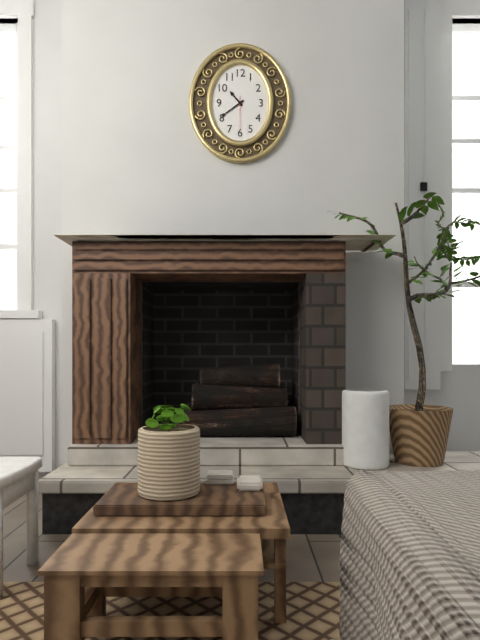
10:39
